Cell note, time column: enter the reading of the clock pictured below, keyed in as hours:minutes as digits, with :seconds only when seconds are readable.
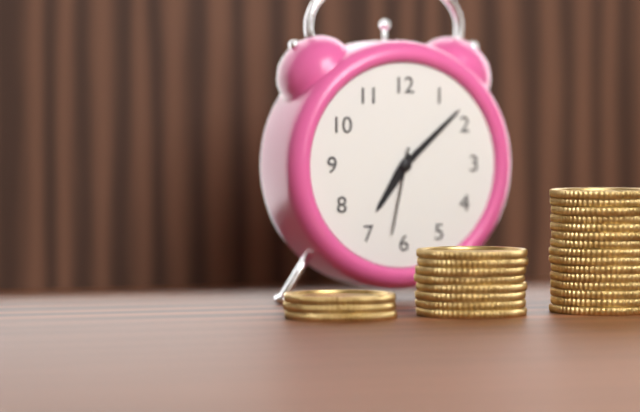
7:08:32
